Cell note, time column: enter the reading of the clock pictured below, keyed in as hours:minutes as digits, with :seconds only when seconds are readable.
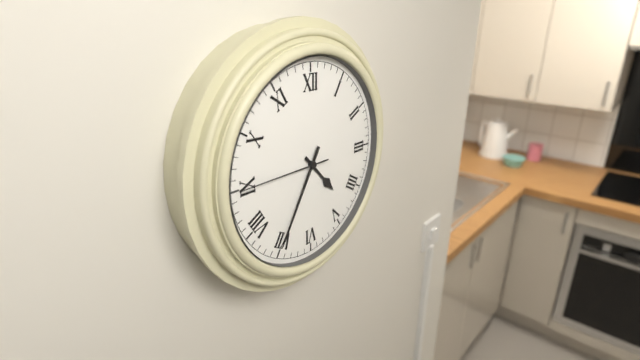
4:35:45
